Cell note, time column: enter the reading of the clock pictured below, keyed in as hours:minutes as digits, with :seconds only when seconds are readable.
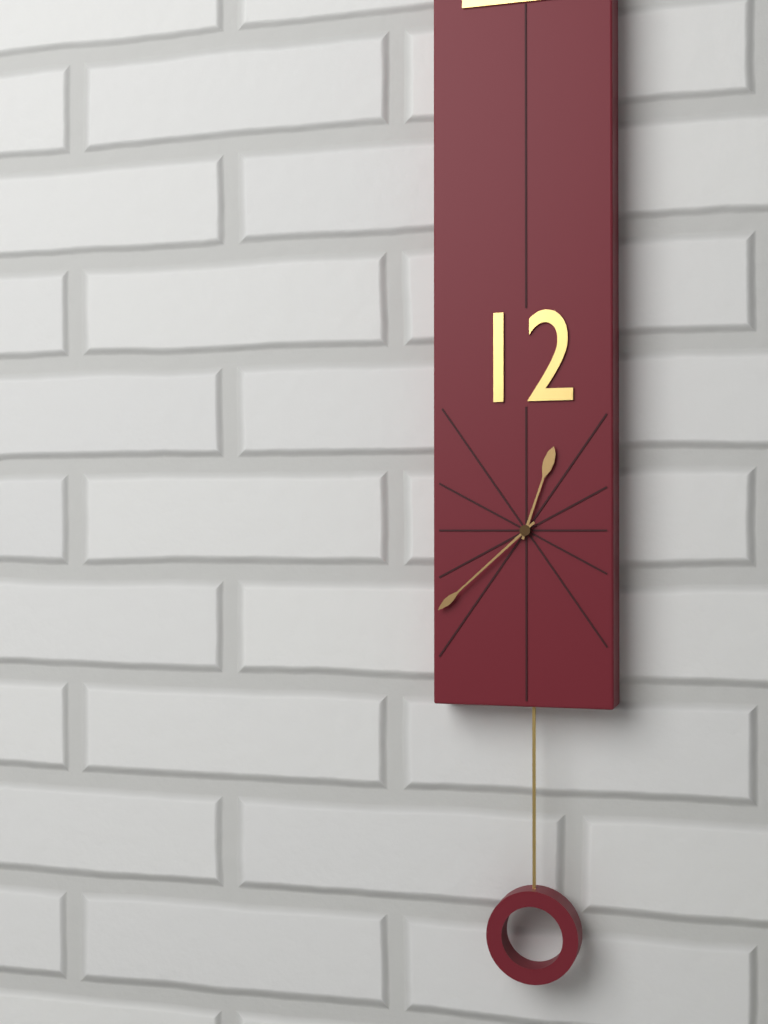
12:38
